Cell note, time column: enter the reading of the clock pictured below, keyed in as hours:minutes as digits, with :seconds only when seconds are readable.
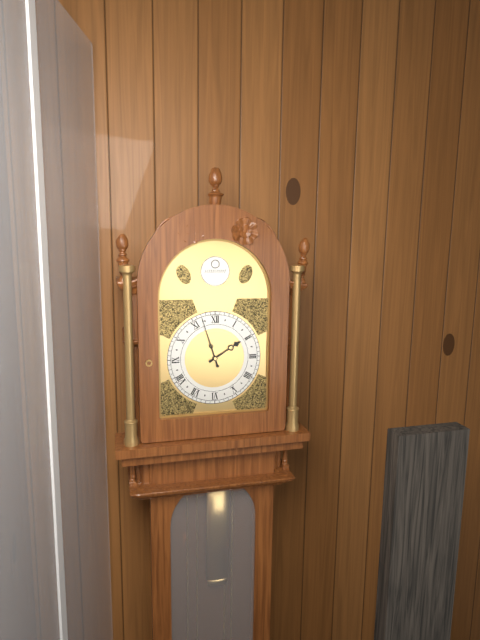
1:57
